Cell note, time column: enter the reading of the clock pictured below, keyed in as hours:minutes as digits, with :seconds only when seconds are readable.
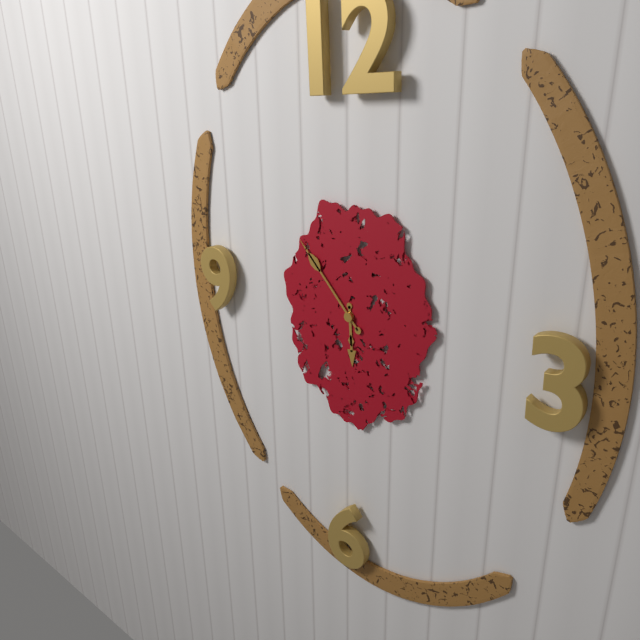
5:53
